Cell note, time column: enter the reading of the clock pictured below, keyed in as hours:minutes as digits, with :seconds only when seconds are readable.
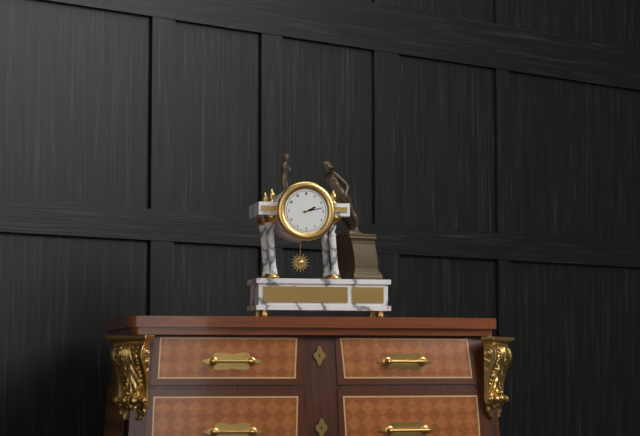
2:13
